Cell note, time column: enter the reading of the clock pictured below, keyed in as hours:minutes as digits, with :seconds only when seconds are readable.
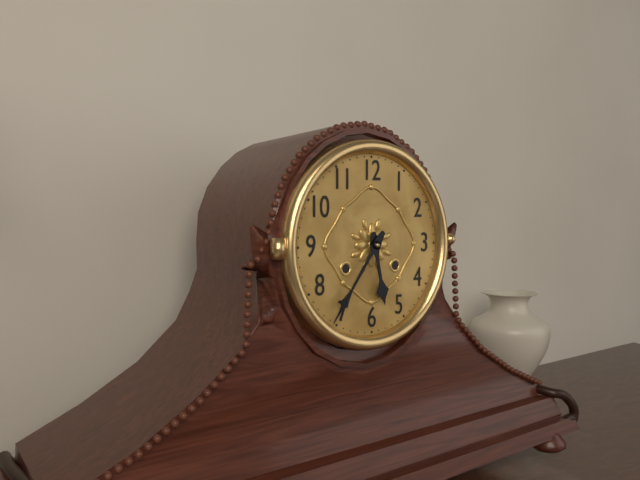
5:36
